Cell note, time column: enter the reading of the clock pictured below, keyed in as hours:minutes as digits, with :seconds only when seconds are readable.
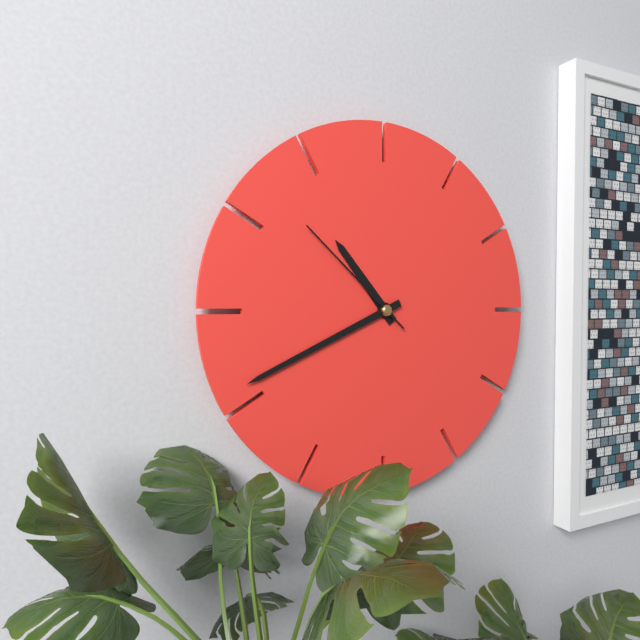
10:41:52
